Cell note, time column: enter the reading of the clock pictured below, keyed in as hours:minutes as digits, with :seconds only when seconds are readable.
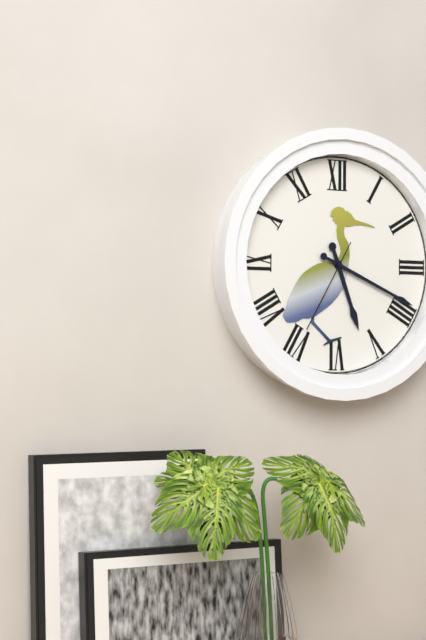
5:19:35
